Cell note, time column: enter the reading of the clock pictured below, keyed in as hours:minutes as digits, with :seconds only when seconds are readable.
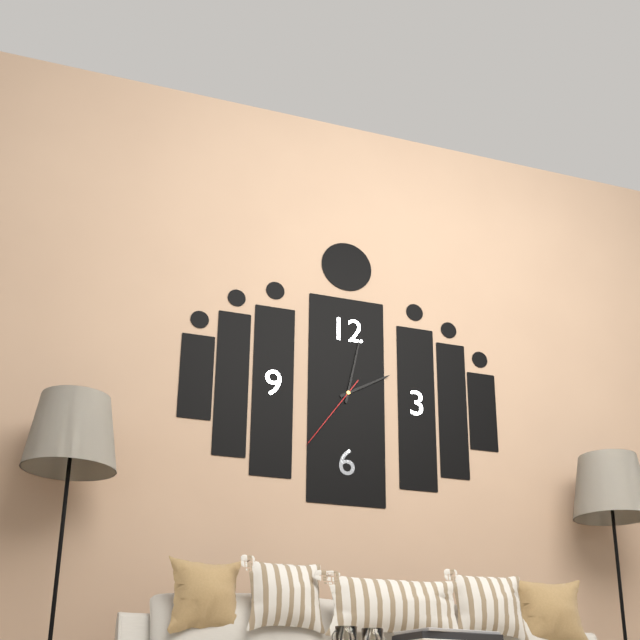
2:02:36
